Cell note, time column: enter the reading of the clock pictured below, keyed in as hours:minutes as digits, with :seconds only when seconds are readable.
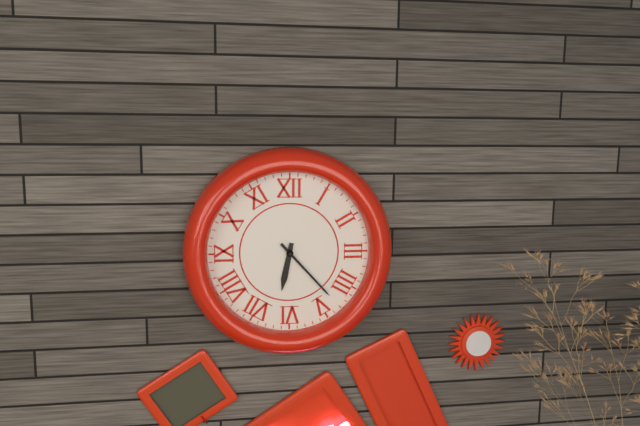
6:23
